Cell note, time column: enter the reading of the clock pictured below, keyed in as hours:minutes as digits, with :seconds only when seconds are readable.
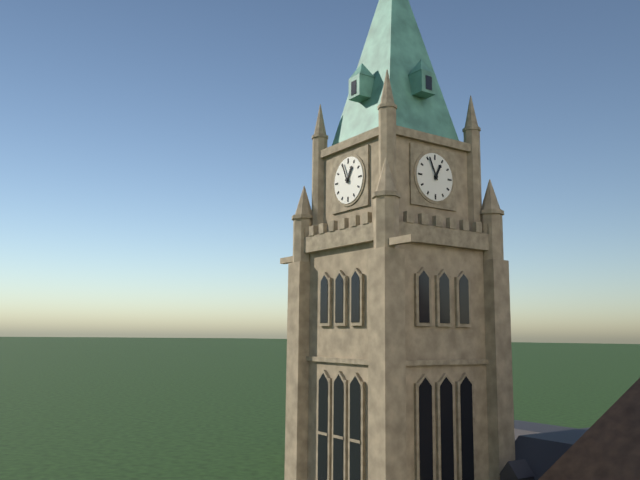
12:56
